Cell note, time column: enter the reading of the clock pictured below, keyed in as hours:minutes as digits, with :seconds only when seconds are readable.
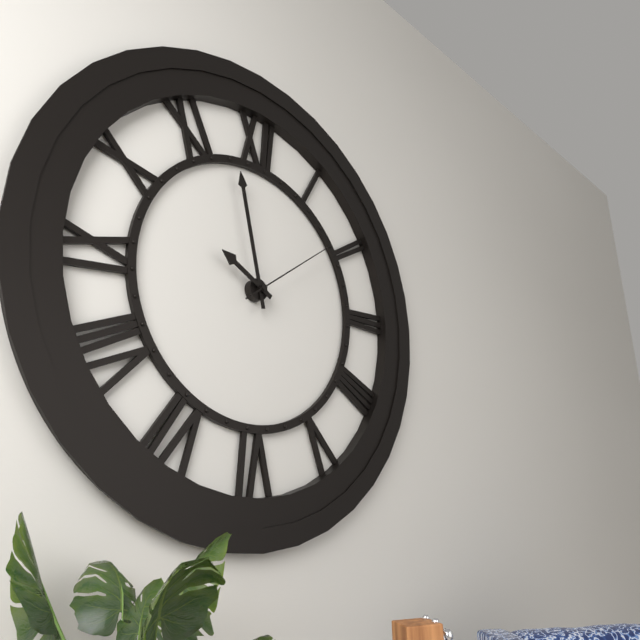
9:58:09
